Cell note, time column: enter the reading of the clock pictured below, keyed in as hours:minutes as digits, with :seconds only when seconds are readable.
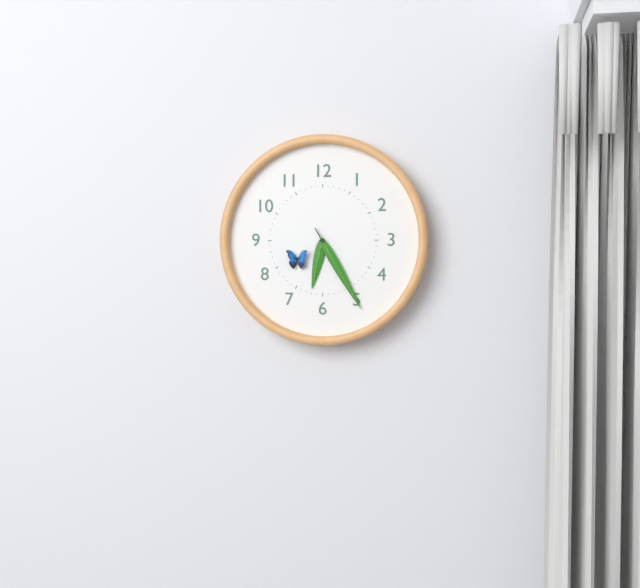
6:25
